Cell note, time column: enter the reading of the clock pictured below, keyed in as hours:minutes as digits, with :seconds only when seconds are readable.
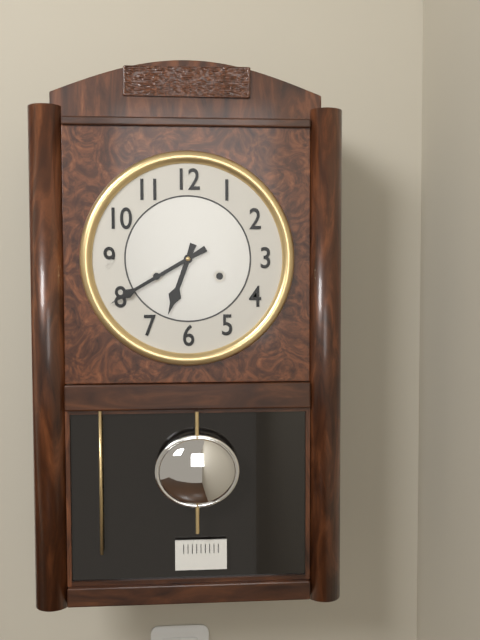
6:40
